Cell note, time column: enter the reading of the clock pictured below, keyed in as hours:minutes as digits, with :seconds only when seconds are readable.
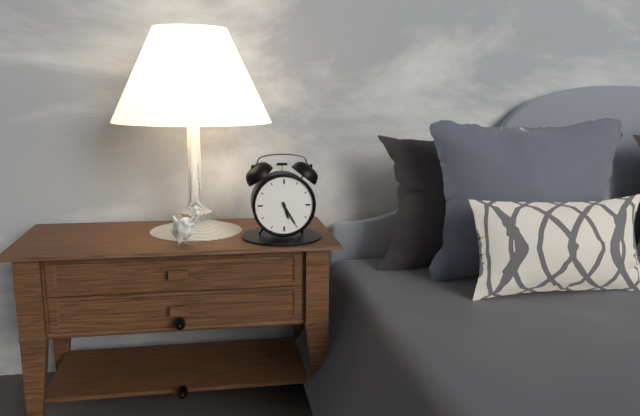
5:25
